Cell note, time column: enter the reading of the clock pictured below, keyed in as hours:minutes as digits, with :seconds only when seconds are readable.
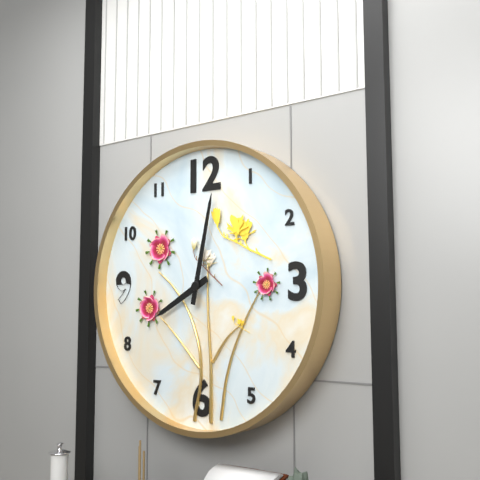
8:02
